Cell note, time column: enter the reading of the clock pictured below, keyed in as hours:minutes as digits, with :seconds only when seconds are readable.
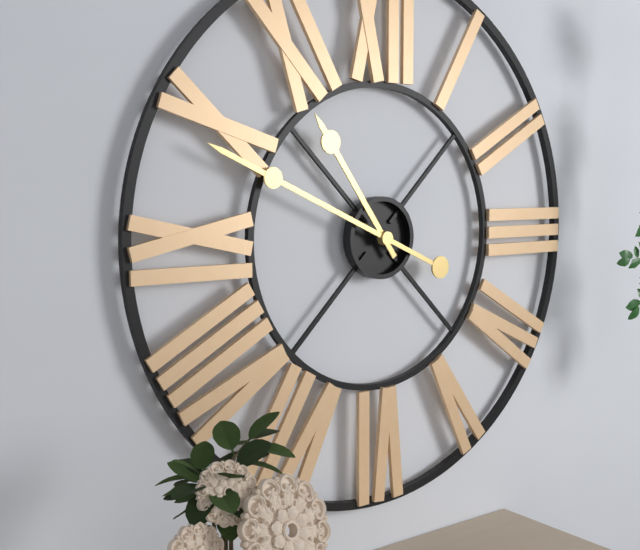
10:49
